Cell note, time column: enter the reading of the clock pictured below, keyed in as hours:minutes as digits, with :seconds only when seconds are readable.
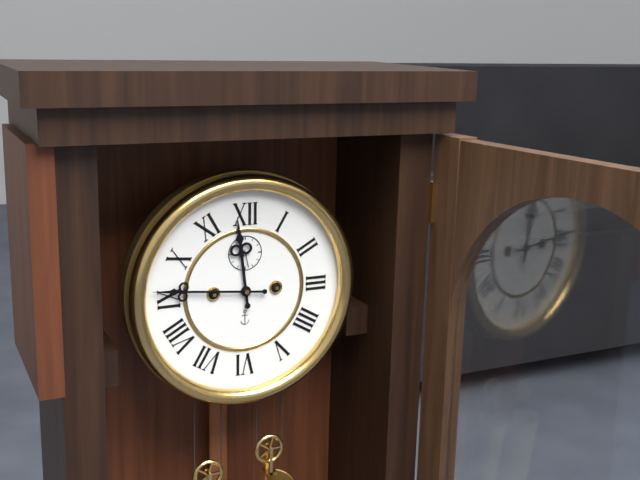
11:46
